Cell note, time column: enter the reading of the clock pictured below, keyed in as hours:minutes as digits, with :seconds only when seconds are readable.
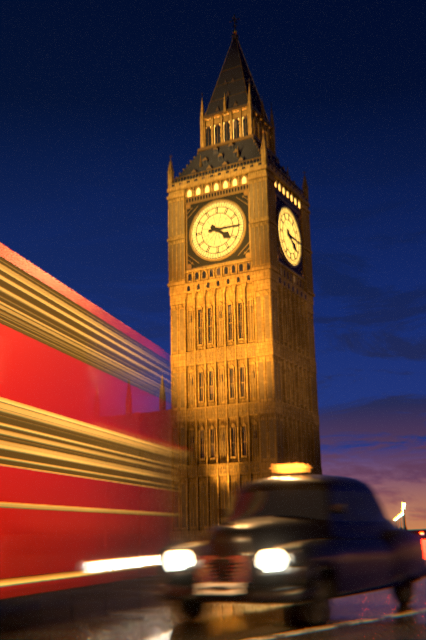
4:15
